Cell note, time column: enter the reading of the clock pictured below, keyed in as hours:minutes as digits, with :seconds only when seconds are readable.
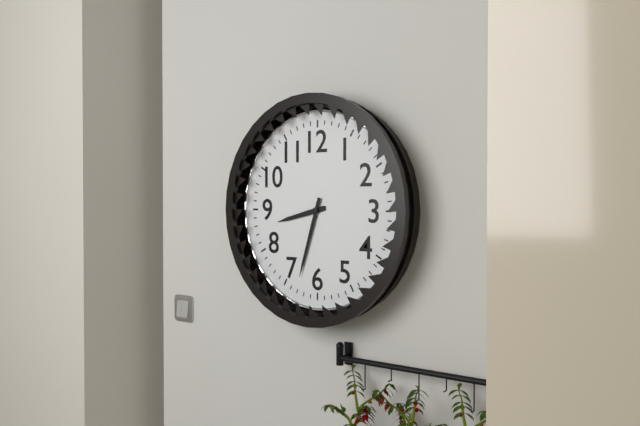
8:33
